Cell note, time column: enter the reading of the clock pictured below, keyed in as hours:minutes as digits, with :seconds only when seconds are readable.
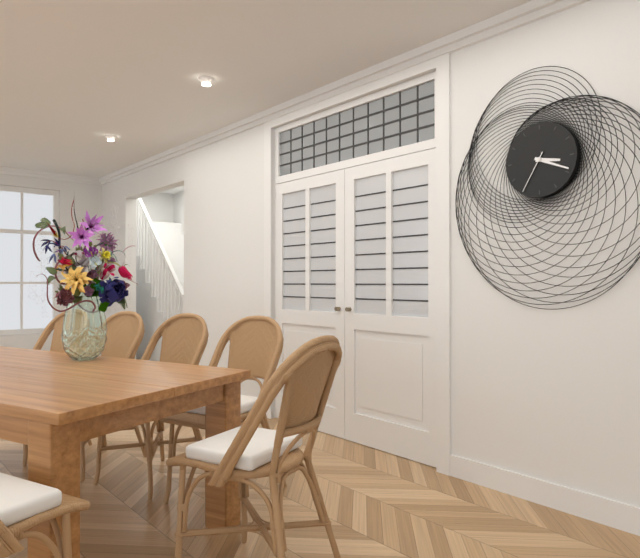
3:19
